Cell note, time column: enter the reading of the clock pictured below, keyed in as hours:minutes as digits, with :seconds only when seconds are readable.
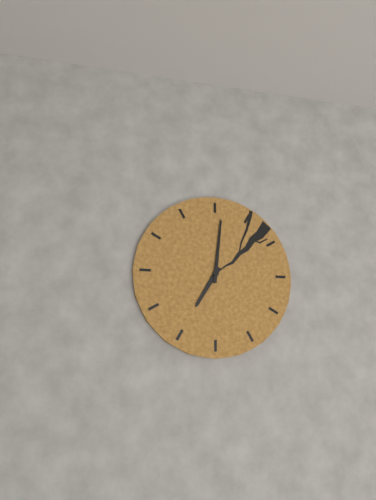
7:01
